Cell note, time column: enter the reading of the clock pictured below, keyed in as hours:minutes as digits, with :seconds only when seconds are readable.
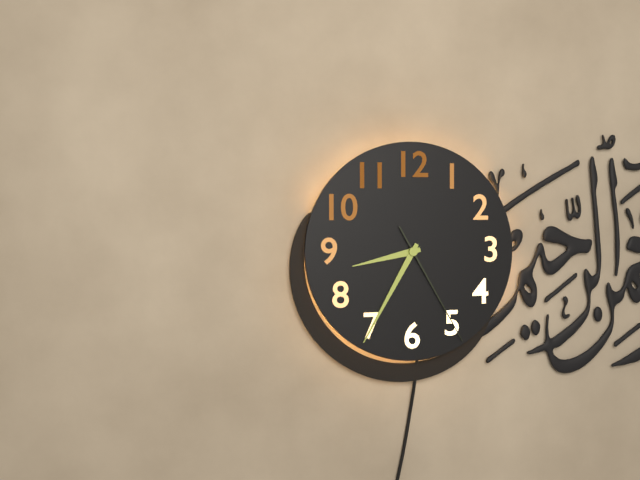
8:35:25
